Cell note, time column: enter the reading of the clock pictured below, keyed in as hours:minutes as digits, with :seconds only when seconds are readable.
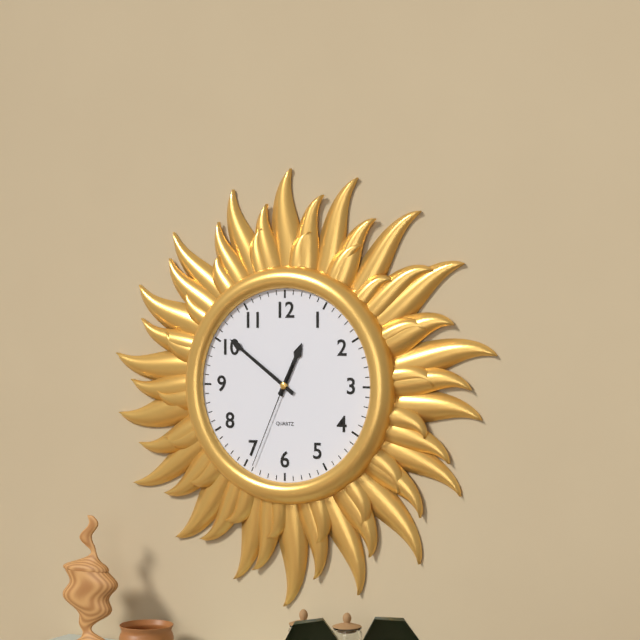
12:51:34
